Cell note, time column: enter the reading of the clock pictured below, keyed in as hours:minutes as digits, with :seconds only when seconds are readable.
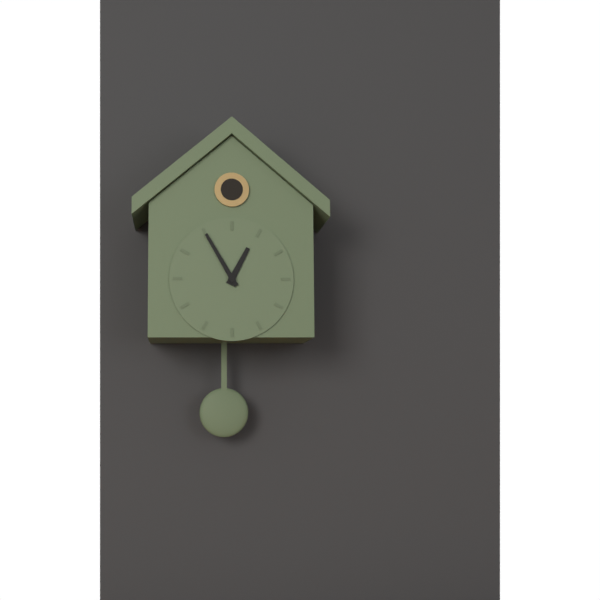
12:55
